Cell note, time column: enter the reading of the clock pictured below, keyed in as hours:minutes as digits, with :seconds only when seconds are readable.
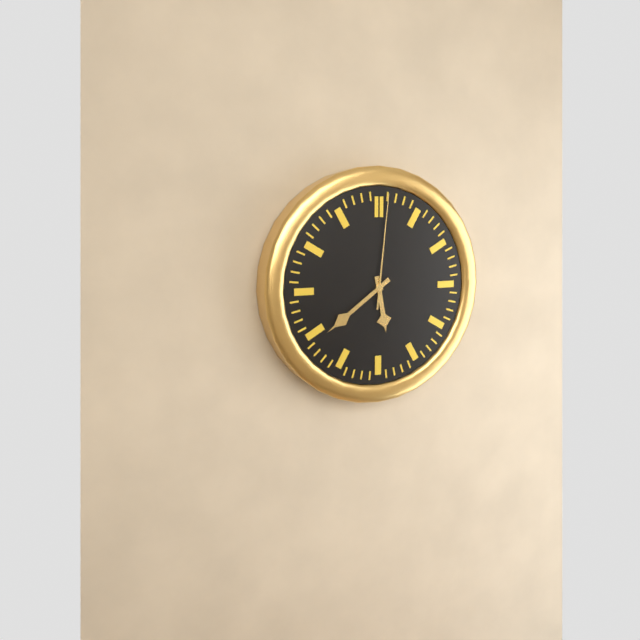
5:39:01
